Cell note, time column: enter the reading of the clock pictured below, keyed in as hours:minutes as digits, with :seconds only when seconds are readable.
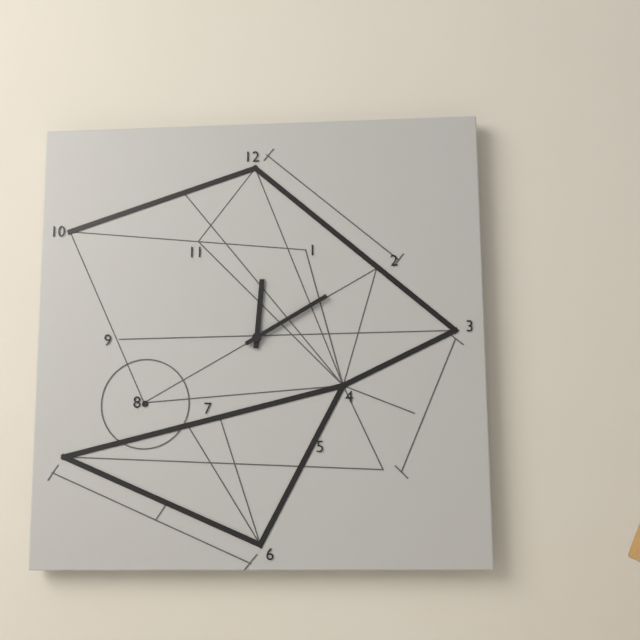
12:10
